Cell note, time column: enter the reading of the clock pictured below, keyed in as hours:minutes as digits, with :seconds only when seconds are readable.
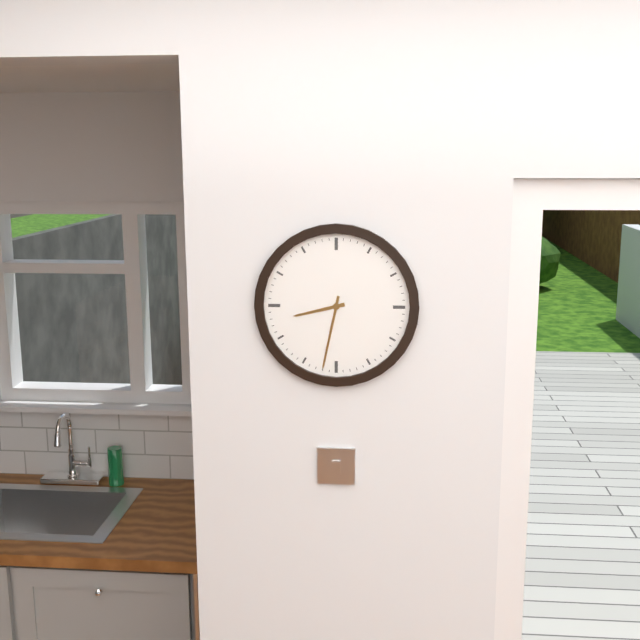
8:32
